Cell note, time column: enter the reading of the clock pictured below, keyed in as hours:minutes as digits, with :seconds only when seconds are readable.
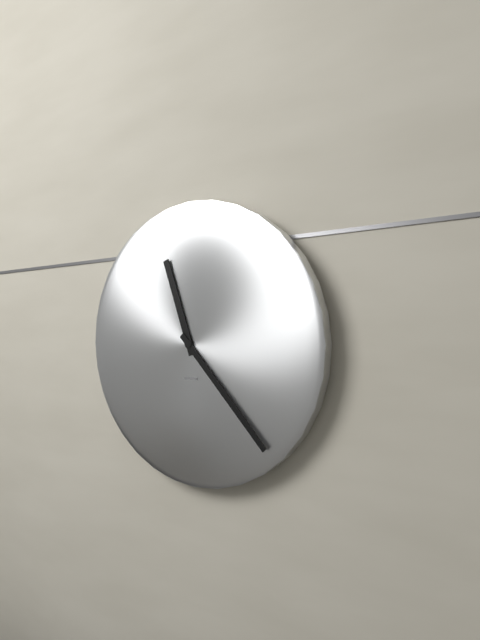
11:23
